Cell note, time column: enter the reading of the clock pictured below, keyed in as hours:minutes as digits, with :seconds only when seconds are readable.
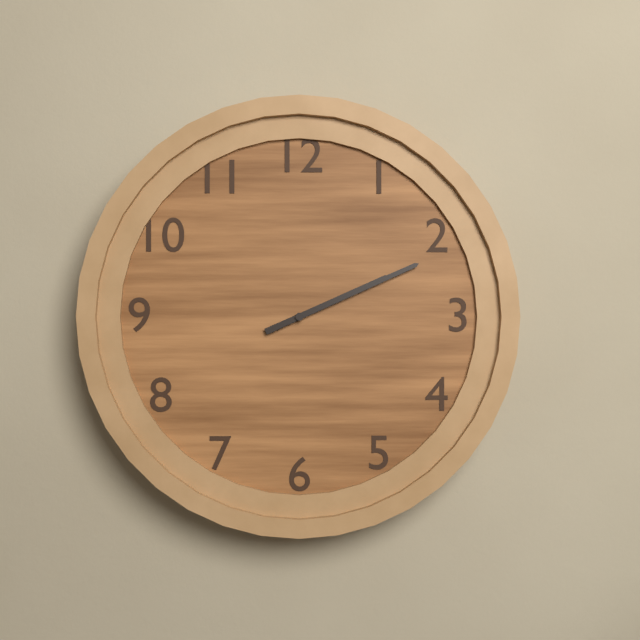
2:11
